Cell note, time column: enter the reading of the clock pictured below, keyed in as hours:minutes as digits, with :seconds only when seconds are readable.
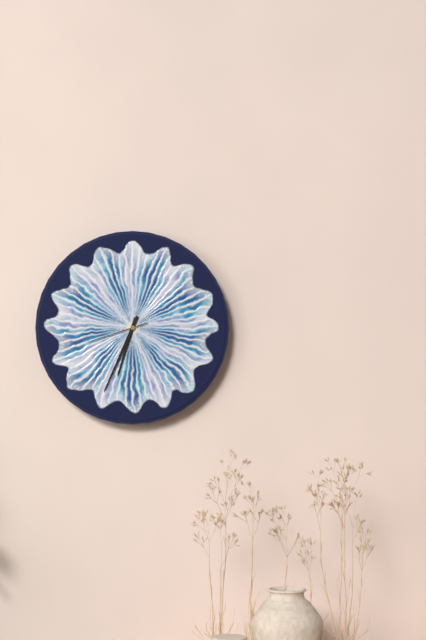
6:34:42
